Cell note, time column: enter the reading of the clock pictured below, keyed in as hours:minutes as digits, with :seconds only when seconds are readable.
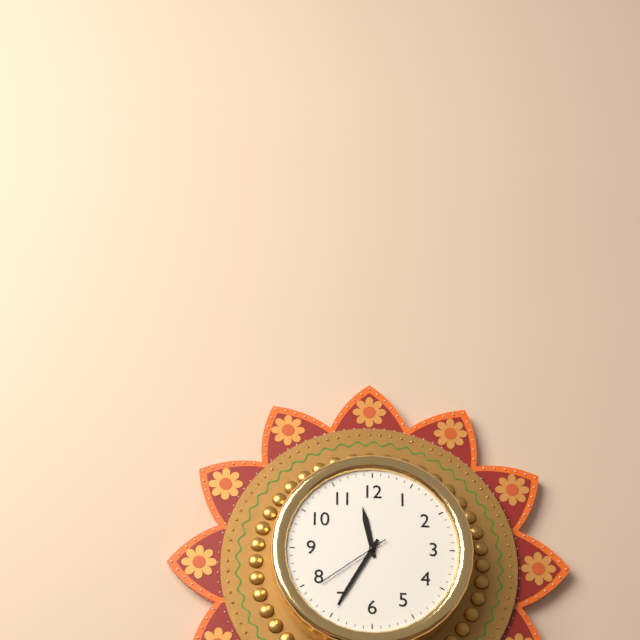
11:35:39
